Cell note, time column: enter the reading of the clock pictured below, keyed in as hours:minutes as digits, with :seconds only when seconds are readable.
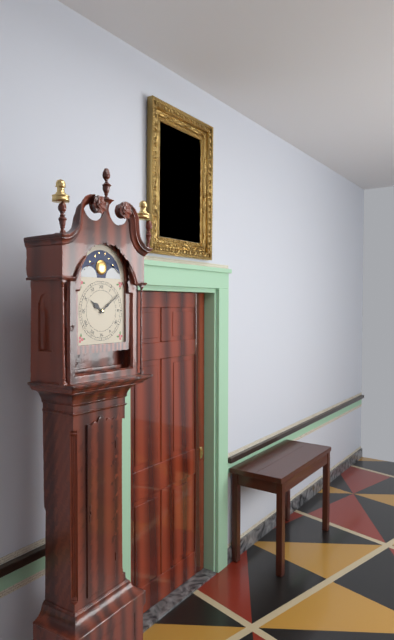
10:09
